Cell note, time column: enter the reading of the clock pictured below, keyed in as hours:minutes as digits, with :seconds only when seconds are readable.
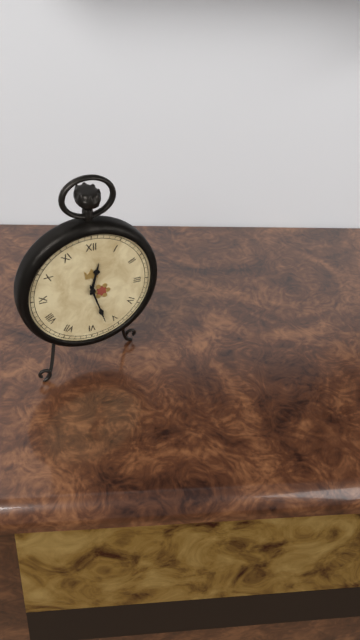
12:27
